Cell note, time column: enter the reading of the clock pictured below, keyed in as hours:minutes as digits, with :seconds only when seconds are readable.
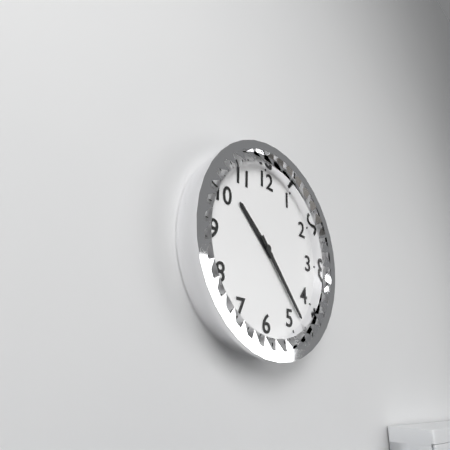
10:23
